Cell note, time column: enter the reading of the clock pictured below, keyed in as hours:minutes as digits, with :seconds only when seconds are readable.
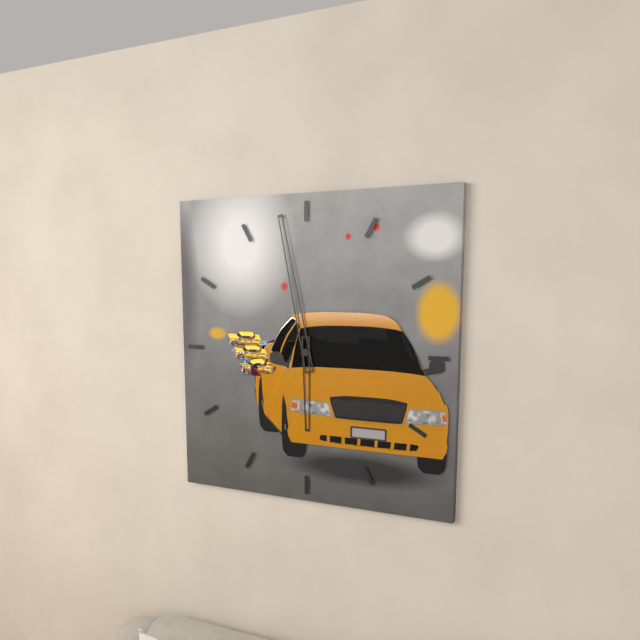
5:58
